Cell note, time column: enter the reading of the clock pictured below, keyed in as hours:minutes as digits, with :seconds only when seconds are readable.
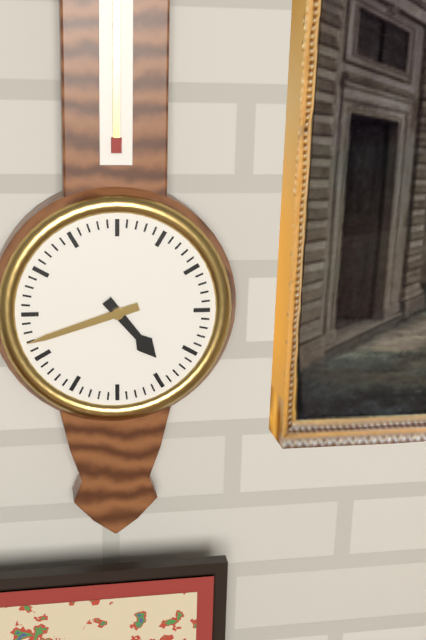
4:42
